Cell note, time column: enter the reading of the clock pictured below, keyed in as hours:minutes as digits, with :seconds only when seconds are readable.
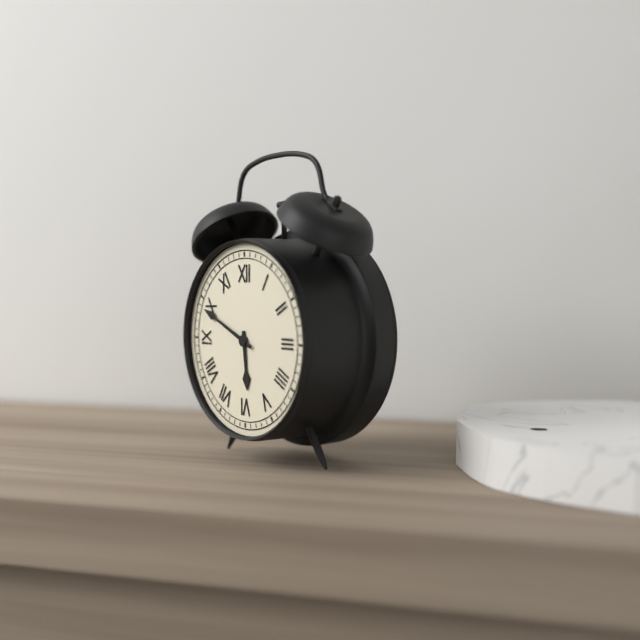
5:49
